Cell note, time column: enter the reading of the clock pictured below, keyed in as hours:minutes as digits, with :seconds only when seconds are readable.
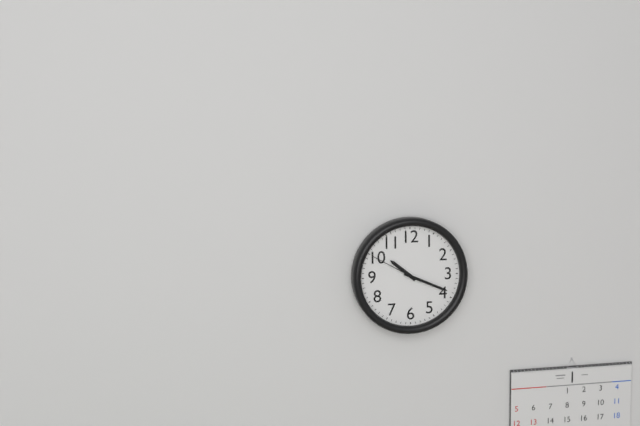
10:19
